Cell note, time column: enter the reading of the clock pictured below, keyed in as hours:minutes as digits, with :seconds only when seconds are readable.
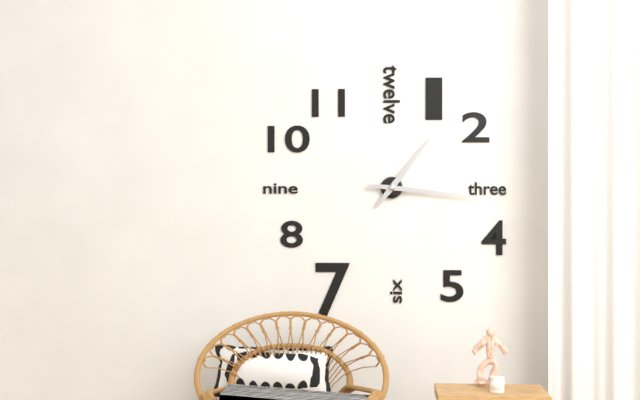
1:16
